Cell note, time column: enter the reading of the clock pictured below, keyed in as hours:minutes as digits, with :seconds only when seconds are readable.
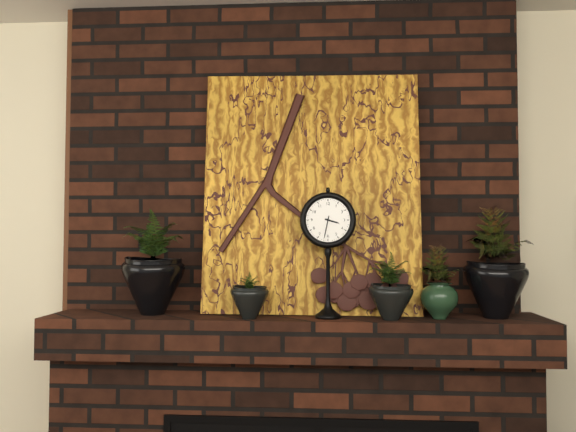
3:32
